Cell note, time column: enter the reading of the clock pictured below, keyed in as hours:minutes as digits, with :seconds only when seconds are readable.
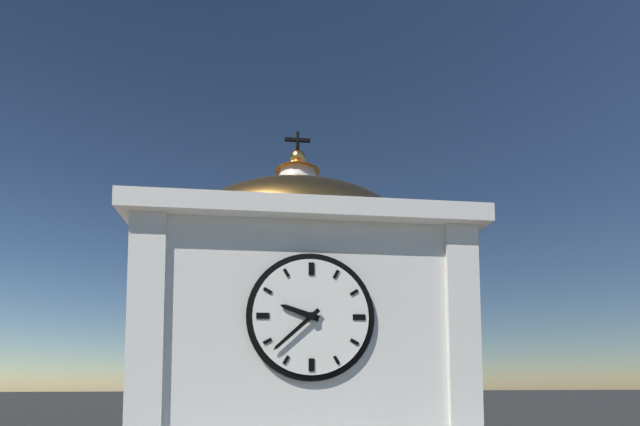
9:38
